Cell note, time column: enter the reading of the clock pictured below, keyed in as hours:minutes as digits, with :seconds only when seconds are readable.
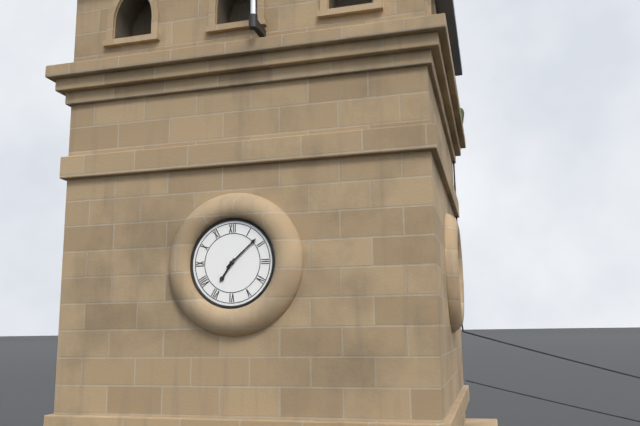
7:08
